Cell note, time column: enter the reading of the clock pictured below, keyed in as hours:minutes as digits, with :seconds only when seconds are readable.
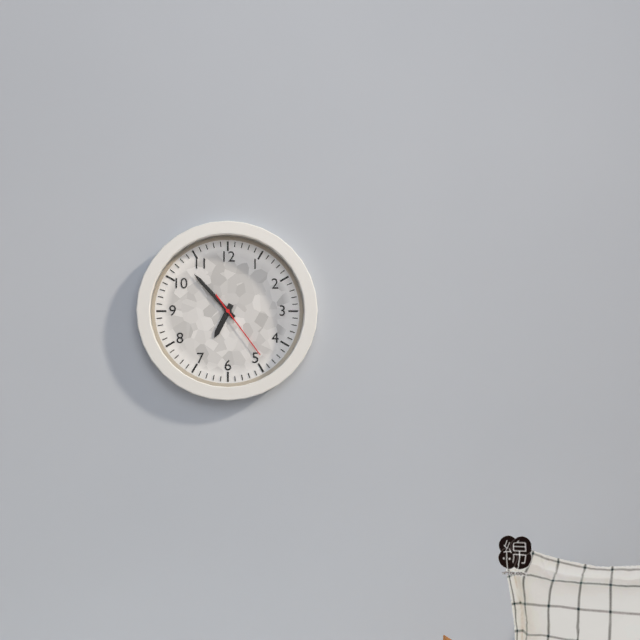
6:53:24
